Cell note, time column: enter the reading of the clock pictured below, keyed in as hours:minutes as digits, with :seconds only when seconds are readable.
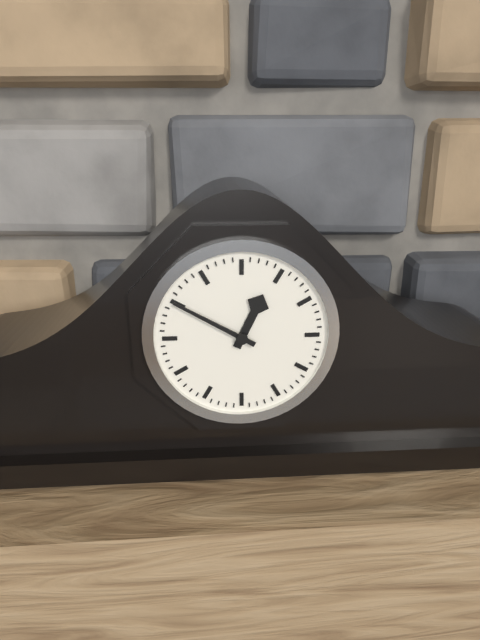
12:50
